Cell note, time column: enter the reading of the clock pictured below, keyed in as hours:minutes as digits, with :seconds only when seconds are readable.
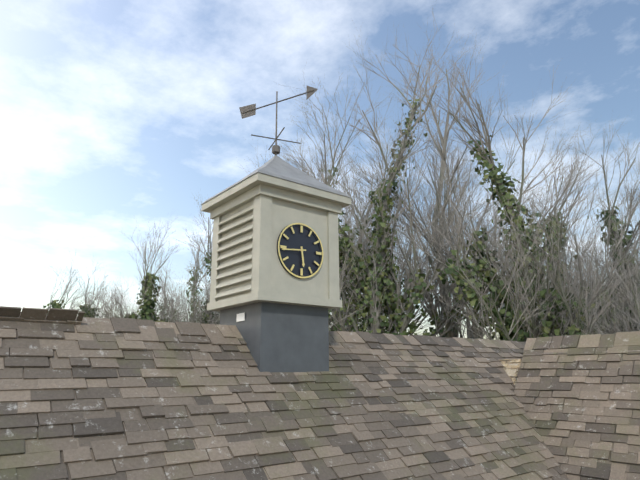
5:44
